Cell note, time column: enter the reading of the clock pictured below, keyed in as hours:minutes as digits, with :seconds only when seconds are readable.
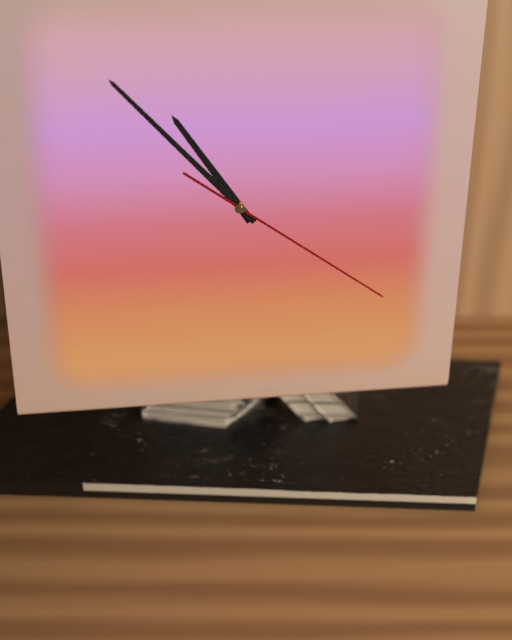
10:53:21
